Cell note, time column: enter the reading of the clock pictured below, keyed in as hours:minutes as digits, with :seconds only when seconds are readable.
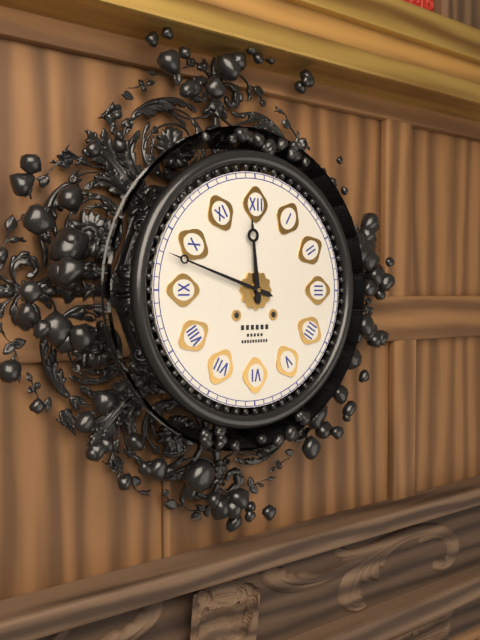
11:48
